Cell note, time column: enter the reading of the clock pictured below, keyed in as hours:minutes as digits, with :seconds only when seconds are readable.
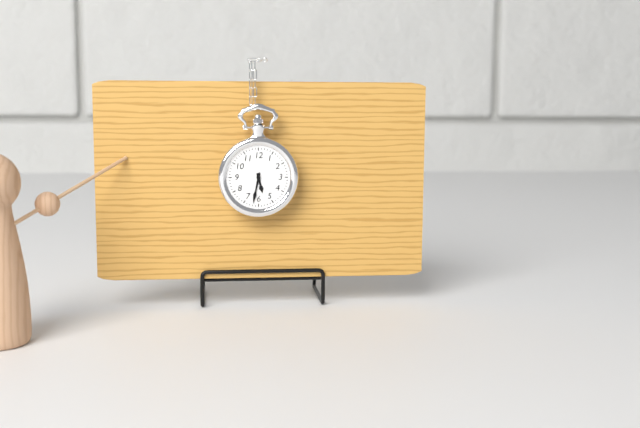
5:32
